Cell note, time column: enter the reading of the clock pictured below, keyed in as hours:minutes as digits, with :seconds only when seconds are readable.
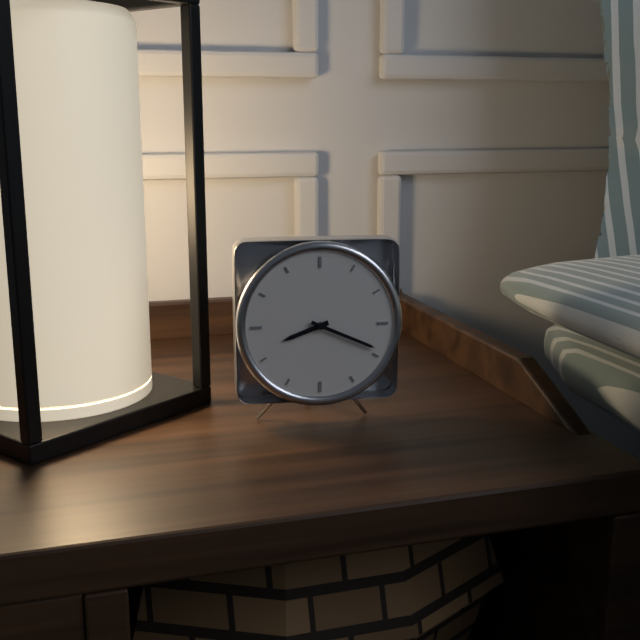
8:19
